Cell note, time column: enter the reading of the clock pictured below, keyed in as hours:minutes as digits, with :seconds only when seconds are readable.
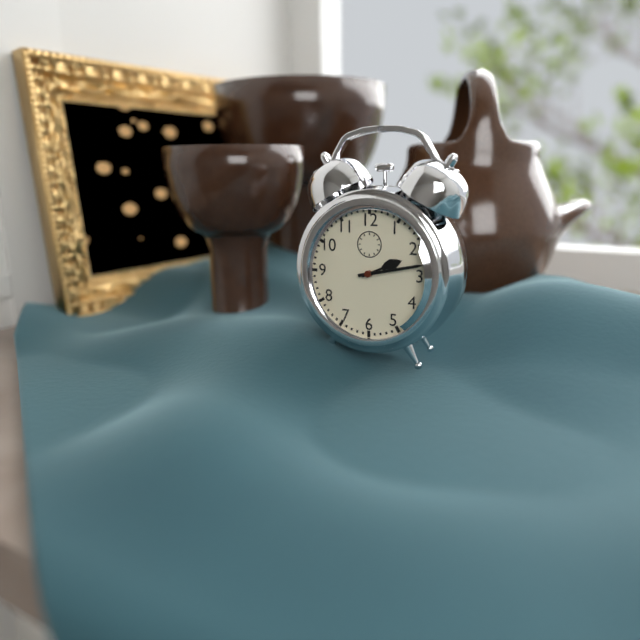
2:13
